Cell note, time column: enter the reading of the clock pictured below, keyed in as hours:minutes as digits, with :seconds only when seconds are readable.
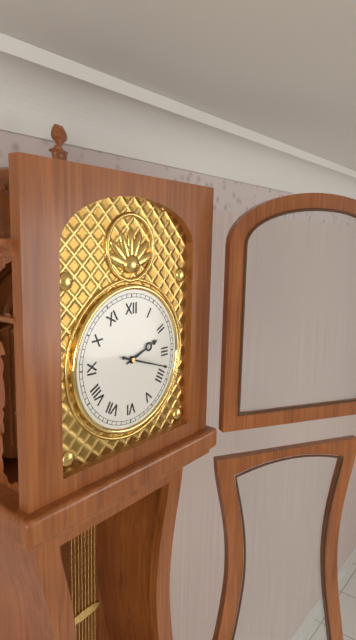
2:18
